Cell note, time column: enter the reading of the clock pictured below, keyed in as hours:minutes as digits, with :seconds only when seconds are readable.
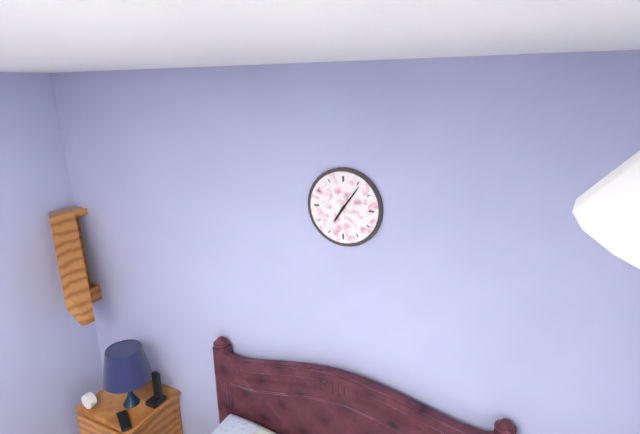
7:06
